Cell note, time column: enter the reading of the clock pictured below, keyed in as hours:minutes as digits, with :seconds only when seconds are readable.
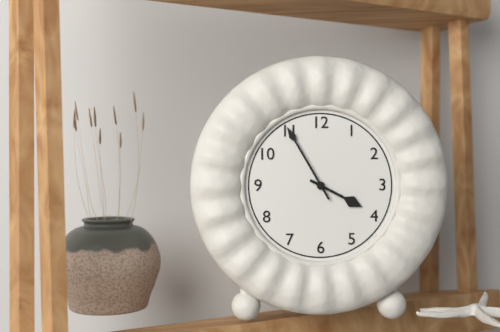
3:55
